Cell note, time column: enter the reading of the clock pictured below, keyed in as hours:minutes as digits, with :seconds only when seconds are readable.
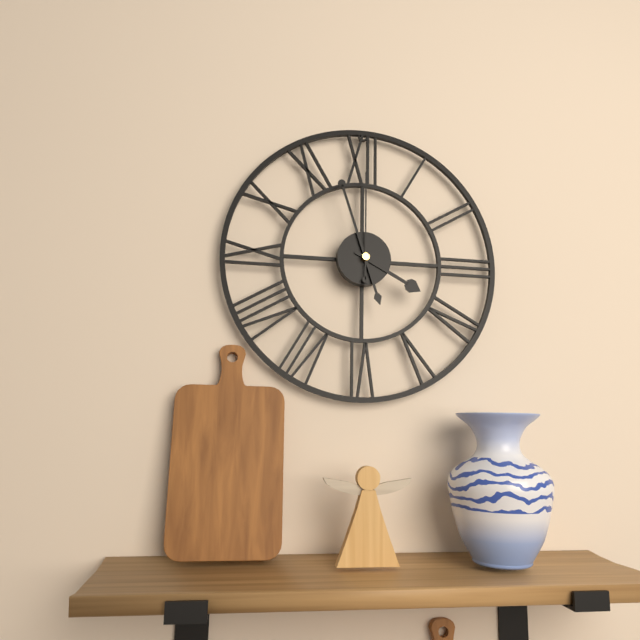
3:57:00
